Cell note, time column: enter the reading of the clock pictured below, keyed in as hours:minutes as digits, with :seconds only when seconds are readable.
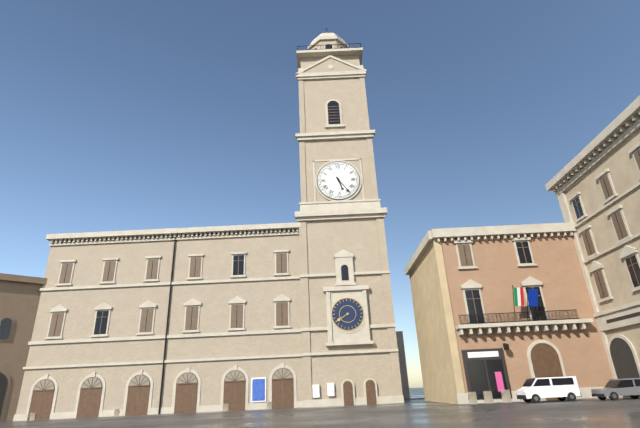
5:24
